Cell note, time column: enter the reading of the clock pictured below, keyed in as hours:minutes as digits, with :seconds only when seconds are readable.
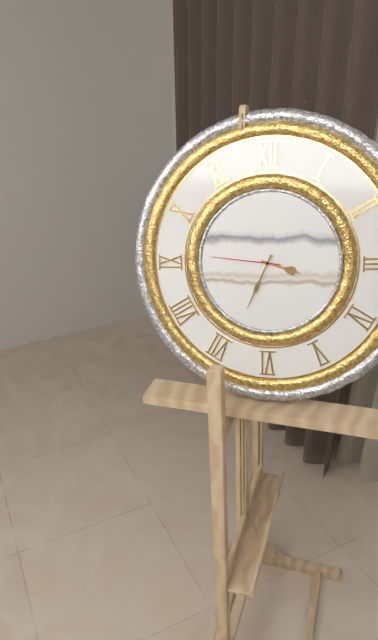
3:34:46
